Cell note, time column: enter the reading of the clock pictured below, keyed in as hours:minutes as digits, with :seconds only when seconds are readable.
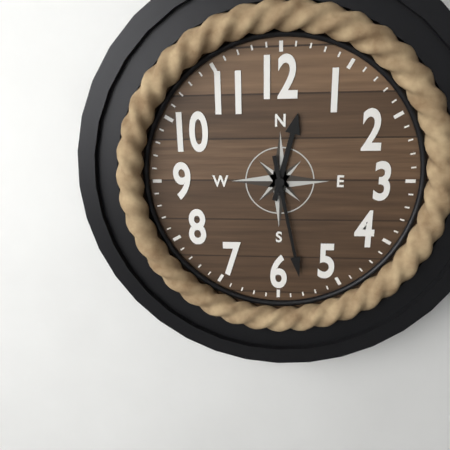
12:28
